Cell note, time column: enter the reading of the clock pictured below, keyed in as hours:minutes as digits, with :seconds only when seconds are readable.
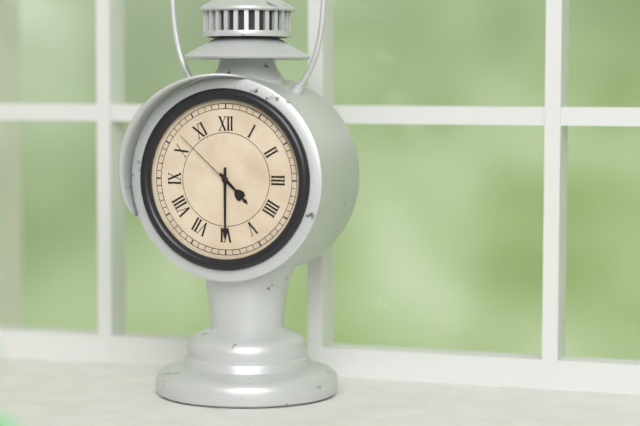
4:30:52
